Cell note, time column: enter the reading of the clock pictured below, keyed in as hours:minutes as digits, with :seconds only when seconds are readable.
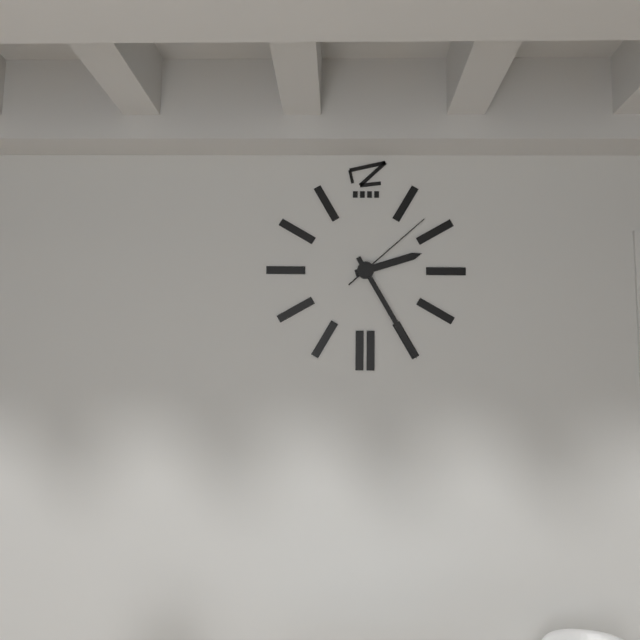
2:25:08
